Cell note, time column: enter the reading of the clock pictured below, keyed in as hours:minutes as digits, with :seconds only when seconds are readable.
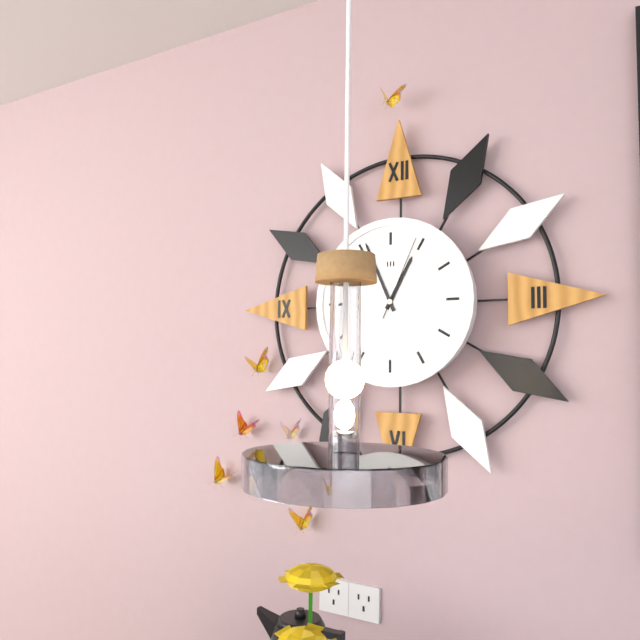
12:56:04
